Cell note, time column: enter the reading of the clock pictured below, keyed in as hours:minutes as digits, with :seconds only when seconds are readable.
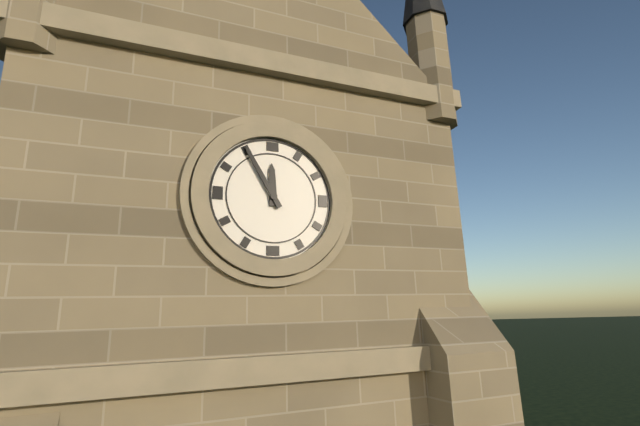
11:55
